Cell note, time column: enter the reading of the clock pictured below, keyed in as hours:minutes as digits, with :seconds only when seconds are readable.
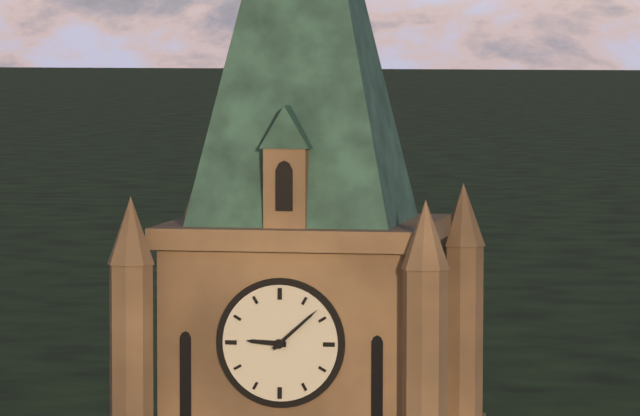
9:08
